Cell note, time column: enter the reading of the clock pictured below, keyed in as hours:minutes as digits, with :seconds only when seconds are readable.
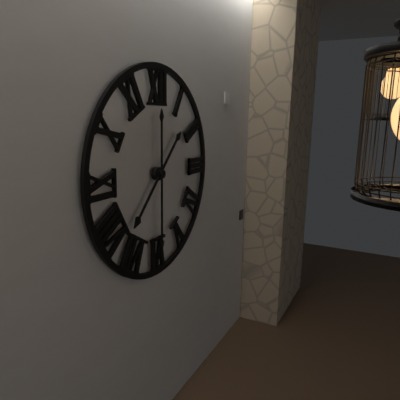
7:30
